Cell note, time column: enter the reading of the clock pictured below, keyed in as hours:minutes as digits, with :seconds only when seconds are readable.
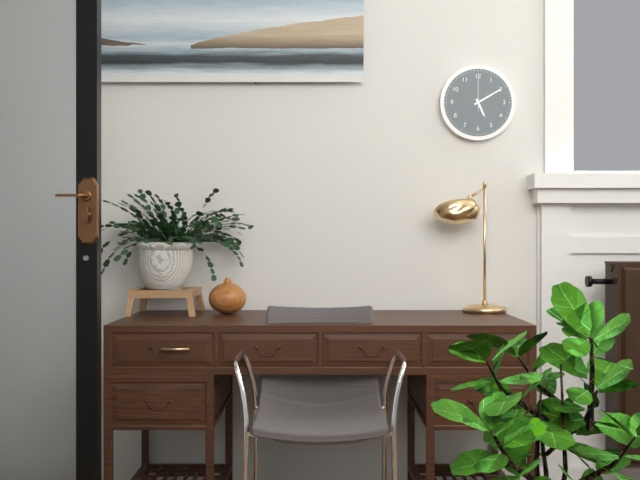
5:10
